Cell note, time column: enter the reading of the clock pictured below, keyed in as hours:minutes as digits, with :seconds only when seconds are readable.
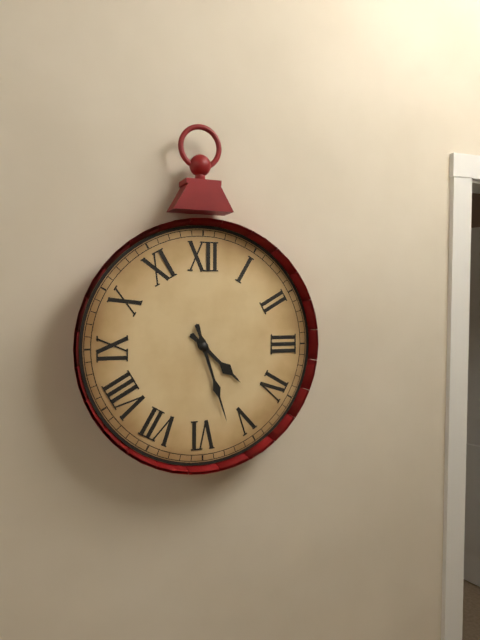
4:27
